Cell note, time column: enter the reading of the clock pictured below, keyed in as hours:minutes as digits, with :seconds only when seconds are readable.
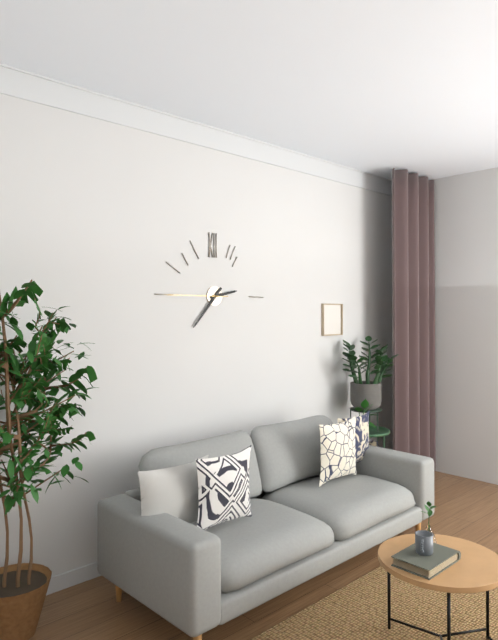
2:37:45
